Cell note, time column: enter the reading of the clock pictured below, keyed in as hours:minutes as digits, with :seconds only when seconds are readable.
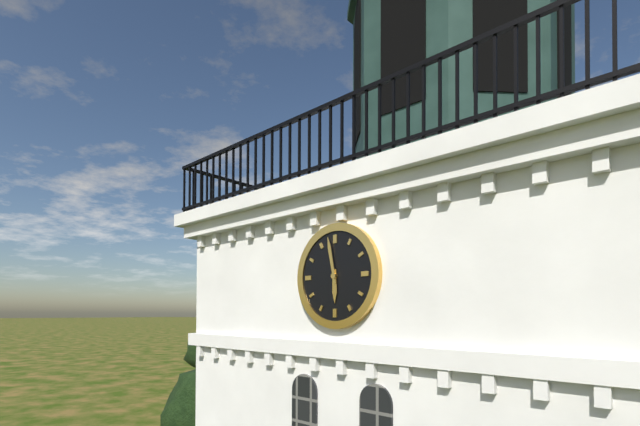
5:58
